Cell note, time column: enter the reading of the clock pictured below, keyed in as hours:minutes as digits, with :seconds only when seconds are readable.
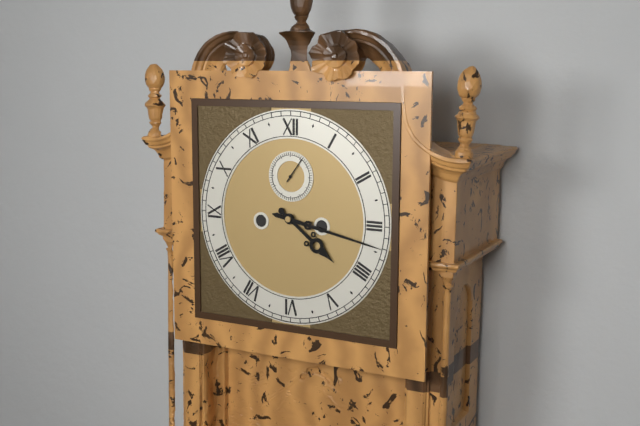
4:17
